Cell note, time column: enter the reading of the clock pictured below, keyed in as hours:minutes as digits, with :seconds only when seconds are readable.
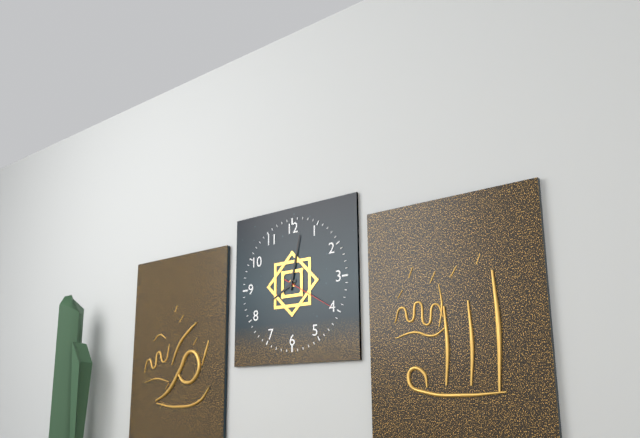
8:02:20
